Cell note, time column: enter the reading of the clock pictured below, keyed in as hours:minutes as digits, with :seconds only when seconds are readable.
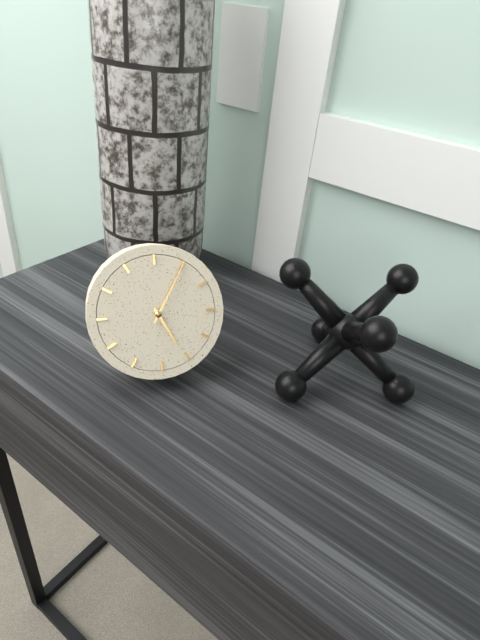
5:05
